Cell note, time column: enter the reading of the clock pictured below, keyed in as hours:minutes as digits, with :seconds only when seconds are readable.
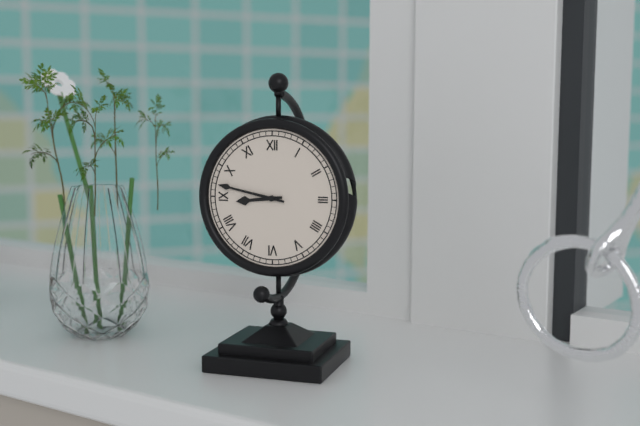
8:47
